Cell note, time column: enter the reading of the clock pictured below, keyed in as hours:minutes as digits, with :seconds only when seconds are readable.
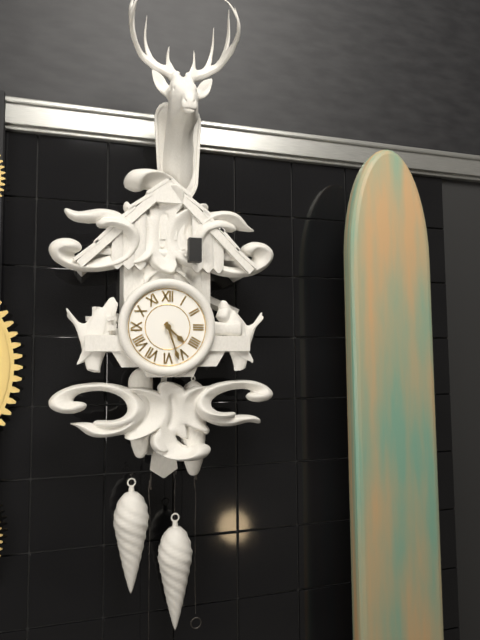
4:27
